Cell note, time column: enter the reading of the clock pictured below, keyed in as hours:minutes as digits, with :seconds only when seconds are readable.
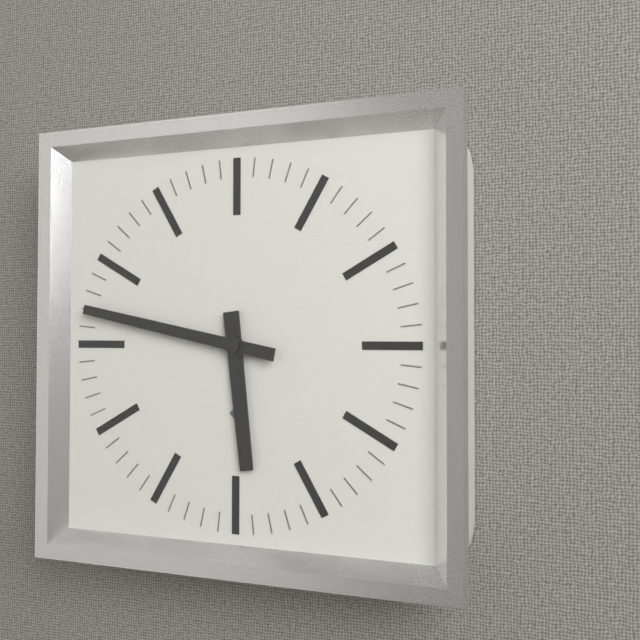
5:47
